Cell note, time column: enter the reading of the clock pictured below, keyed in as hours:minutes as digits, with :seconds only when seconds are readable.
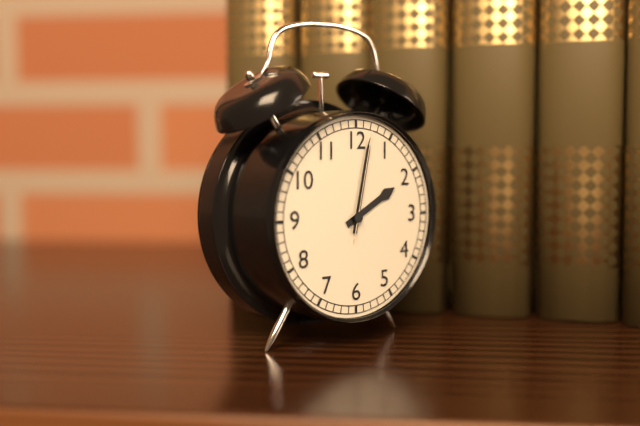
2:02:02
